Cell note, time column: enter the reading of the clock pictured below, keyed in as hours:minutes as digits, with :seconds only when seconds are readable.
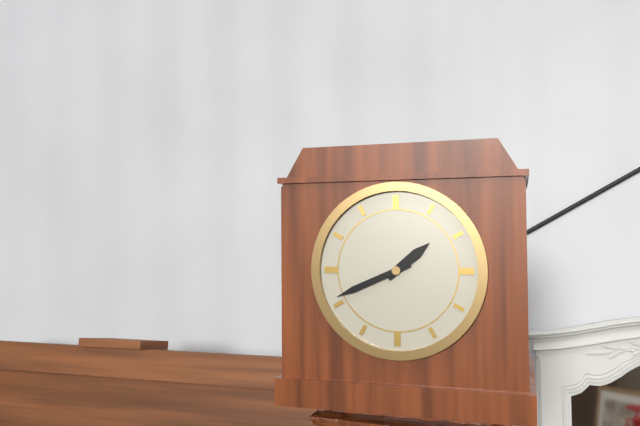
1:41
